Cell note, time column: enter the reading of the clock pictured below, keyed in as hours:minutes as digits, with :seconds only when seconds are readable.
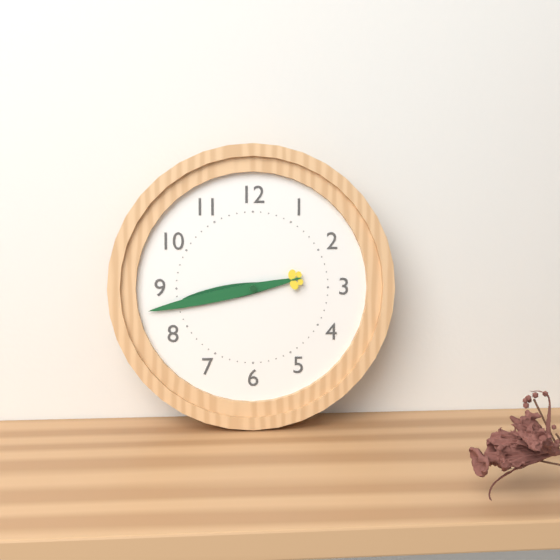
8:43
